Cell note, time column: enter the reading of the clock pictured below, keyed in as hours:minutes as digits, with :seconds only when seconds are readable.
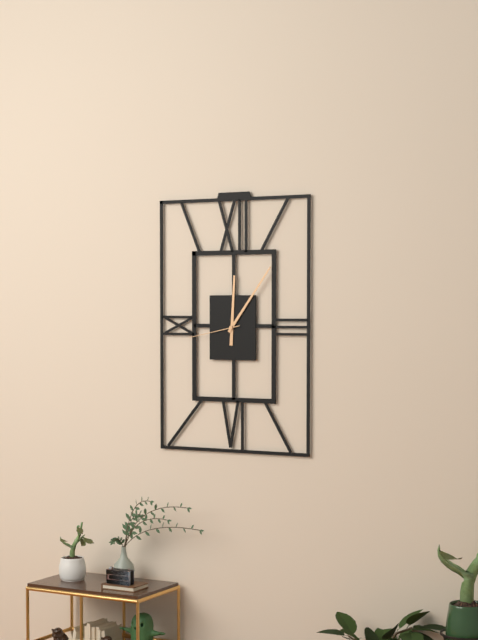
12:06:43
